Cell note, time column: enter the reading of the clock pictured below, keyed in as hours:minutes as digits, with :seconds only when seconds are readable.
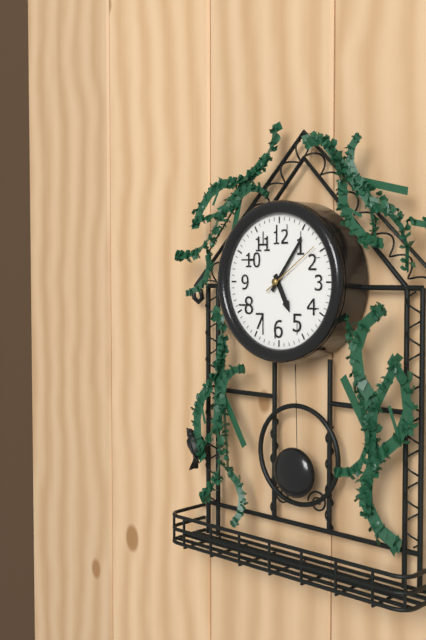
5:06:09
